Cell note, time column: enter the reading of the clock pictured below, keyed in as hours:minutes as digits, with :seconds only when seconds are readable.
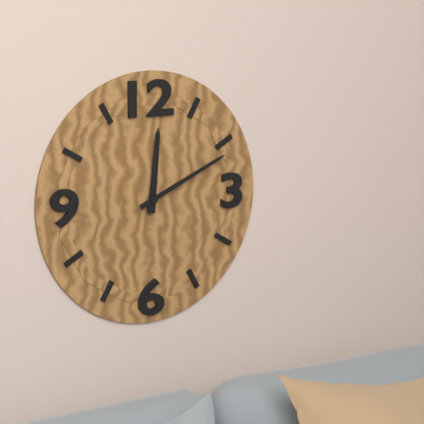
12:11
